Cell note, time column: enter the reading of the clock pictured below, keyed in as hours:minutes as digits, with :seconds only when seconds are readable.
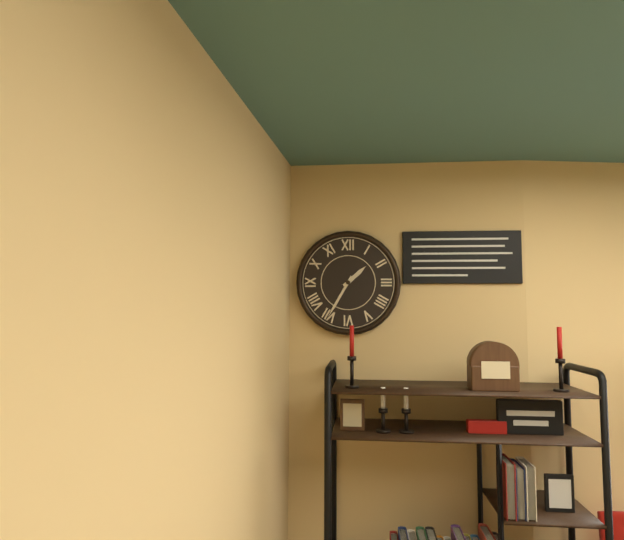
1:35
